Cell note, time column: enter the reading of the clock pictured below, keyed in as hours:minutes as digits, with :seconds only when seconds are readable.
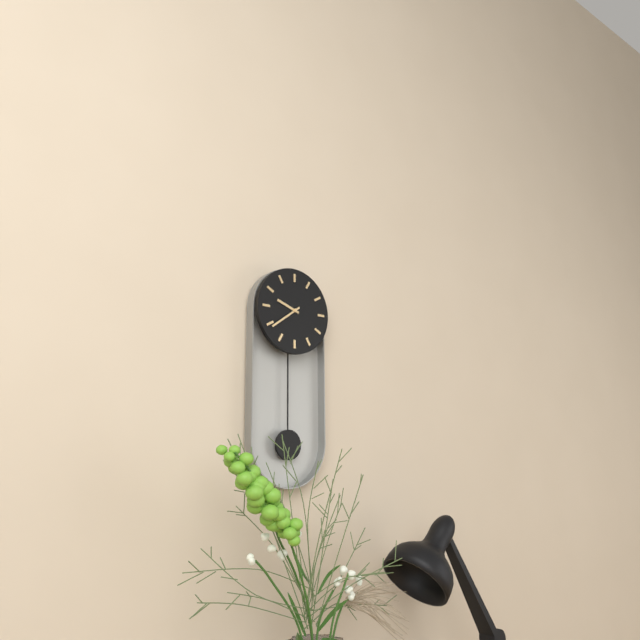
9:39
